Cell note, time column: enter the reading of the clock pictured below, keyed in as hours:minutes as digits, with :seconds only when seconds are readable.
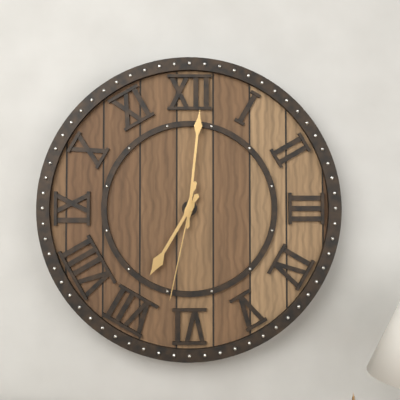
7:01:32
